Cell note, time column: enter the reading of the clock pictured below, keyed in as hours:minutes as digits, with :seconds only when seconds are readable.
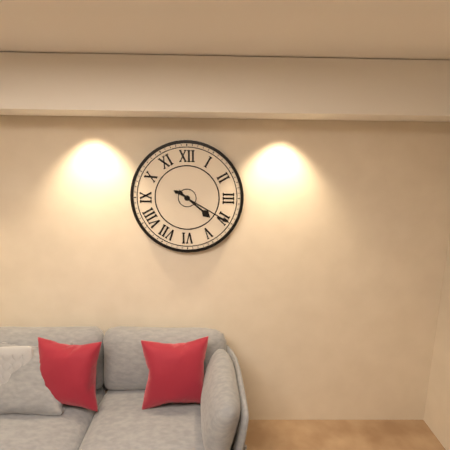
4:20
